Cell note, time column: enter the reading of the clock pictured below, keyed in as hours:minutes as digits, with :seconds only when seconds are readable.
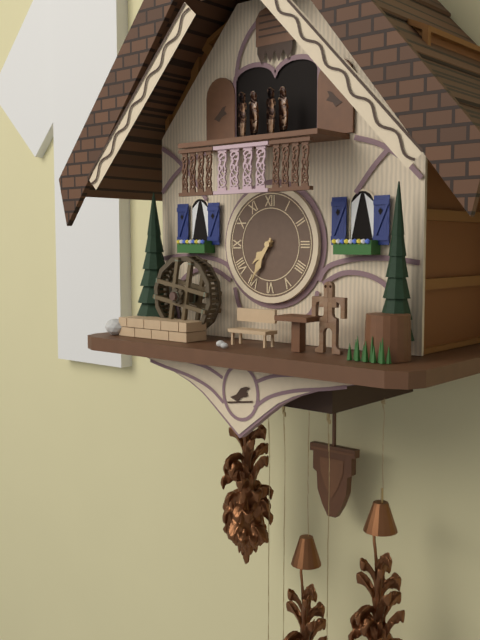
7:35
